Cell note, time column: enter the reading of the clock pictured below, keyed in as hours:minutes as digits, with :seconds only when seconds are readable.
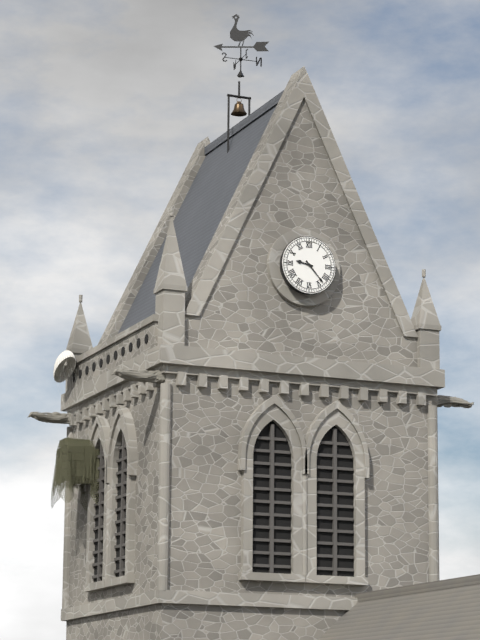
9:23
